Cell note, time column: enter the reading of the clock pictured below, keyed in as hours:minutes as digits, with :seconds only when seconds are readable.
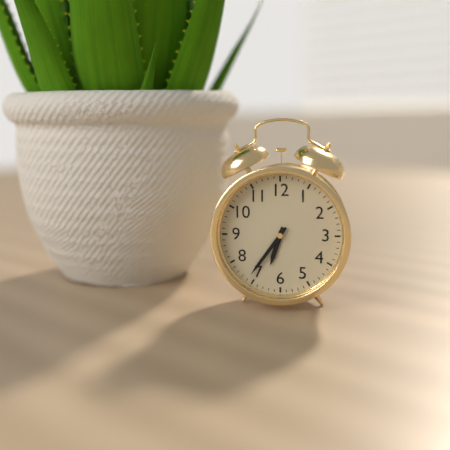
6:36
